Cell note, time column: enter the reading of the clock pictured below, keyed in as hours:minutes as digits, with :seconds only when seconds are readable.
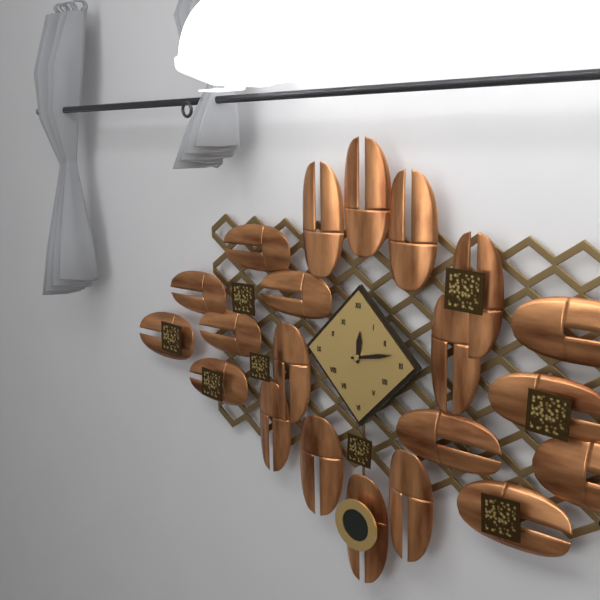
12:13
